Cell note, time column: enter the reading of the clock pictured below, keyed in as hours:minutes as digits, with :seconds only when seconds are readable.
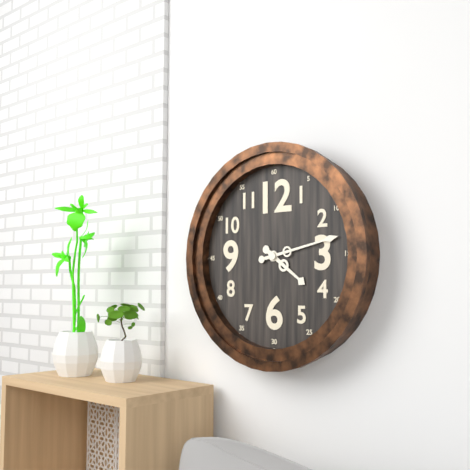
4:13
